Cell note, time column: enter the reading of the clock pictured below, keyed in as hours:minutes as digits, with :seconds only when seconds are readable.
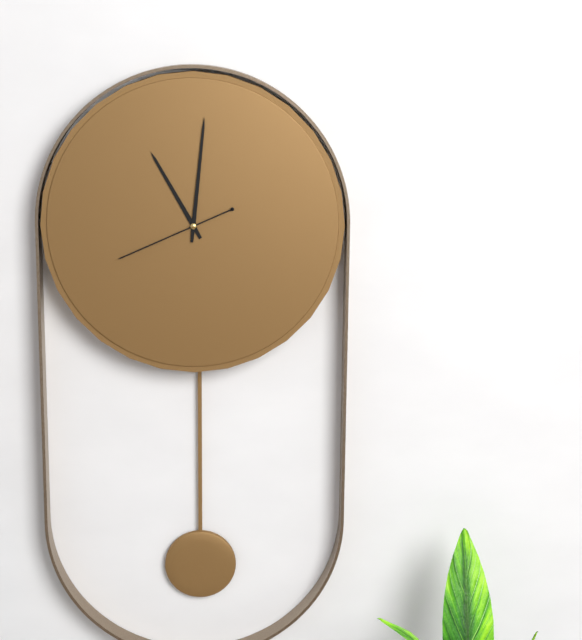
11:01:41
